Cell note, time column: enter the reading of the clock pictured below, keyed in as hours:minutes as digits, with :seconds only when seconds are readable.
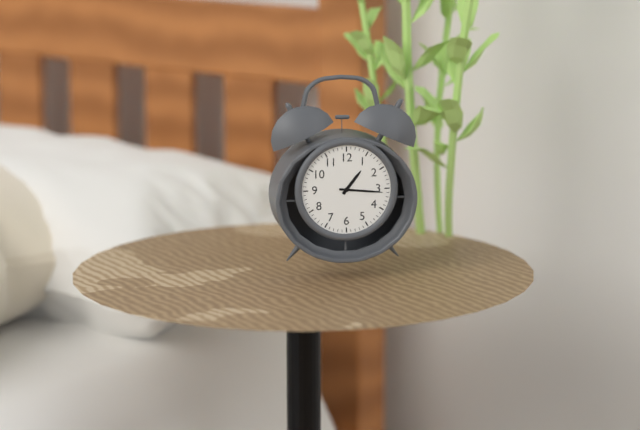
1:16
